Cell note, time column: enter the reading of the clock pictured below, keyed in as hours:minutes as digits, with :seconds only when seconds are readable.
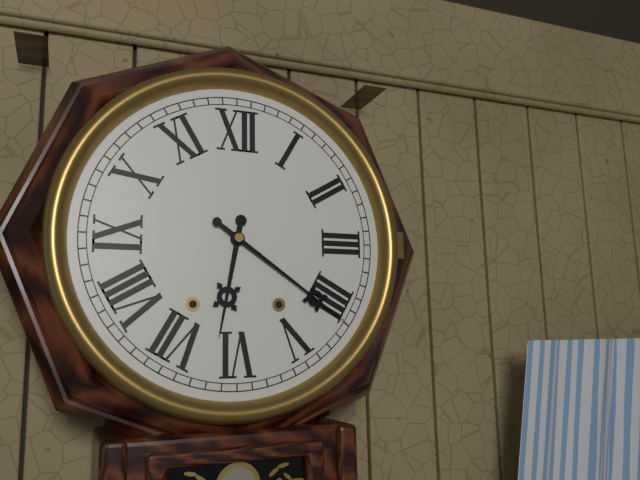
6:21
